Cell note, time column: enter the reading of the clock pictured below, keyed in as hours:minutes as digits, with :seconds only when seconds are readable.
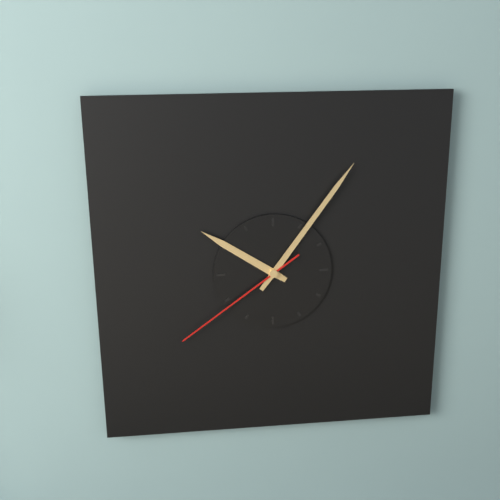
10:06:39
